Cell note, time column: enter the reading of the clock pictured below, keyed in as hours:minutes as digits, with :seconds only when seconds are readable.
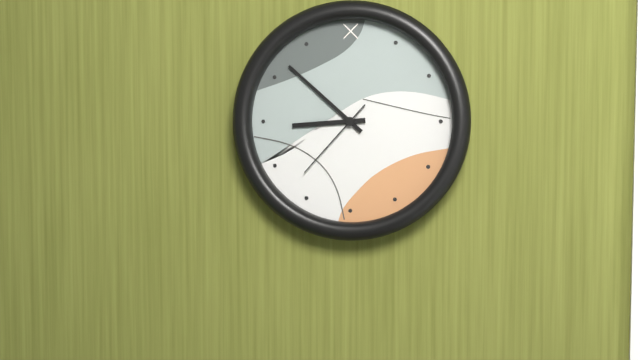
8:52:37
